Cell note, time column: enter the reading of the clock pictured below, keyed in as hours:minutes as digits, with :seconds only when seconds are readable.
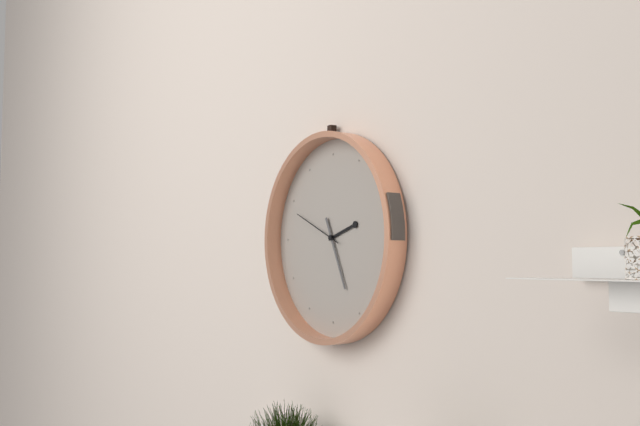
2:26:49
